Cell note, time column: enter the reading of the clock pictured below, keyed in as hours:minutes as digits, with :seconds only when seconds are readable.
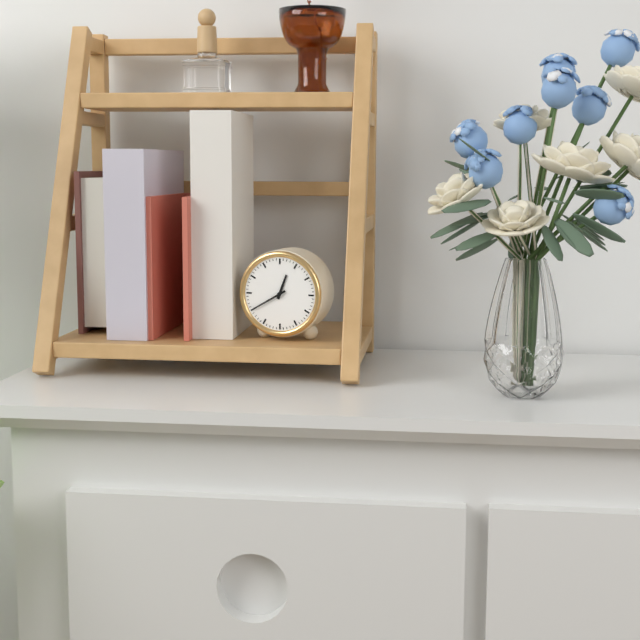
12:40
